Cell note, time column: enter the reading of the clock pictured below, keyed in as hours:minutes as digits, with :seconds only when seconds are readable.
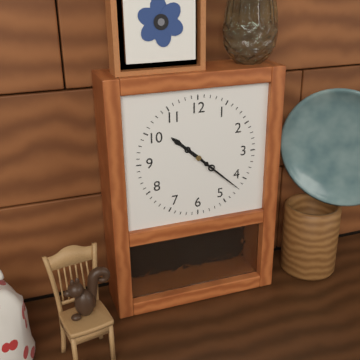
10:22
